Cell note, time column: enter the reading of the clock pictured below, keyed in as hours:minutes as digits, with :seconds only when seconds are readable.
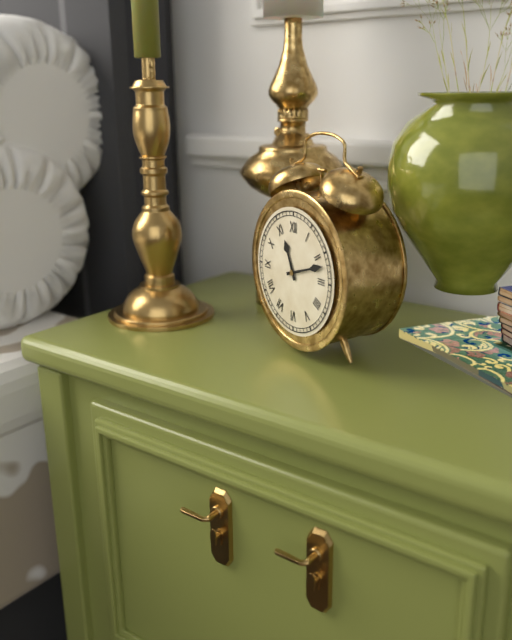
11:12
